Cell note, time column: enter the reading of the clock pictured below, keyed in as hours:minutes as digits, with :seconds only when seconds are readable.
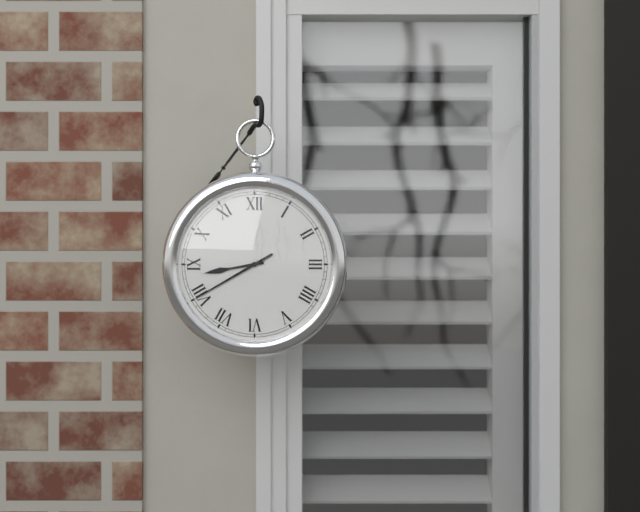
8:40
